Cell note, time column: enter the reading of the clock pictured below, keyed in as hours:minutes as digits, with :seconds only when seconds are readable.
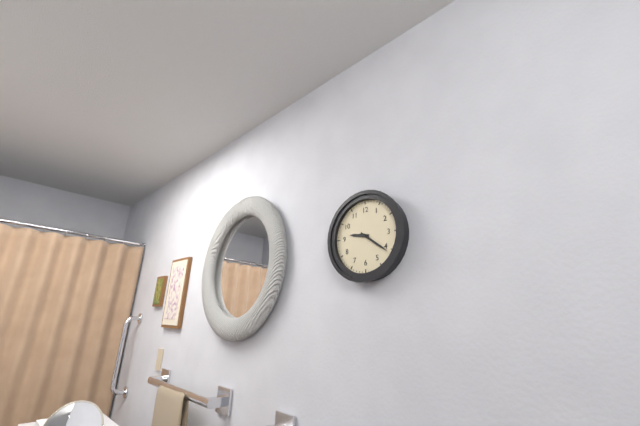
9:21
